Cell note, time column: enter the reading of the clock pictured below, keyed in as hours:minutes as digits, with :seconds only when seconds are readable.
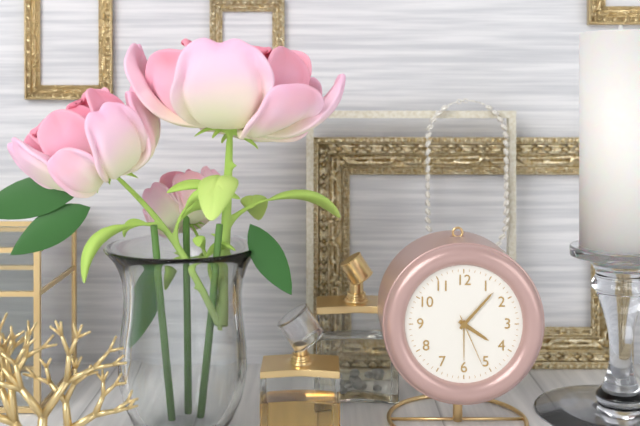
4:07:26
